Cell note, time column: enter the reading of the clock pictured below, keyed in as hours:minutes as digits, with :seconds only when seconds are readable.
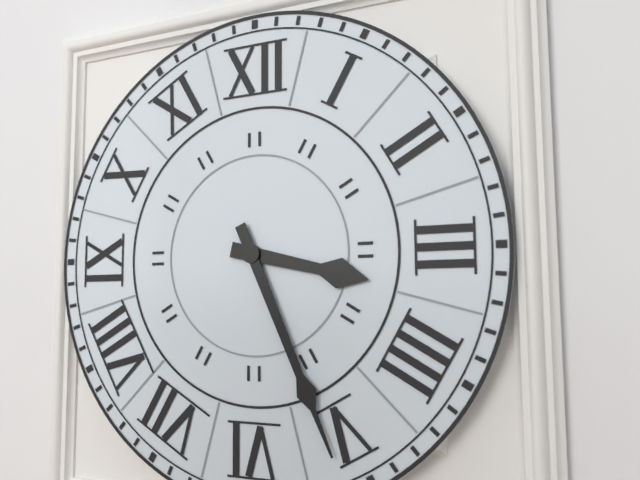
3:26
